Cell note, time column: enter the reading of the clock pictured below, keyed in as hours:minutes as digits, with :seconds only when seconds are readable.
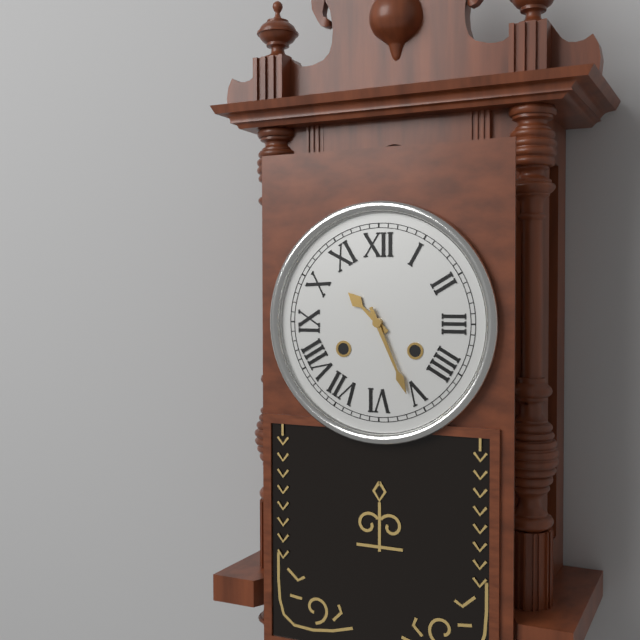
10:26
